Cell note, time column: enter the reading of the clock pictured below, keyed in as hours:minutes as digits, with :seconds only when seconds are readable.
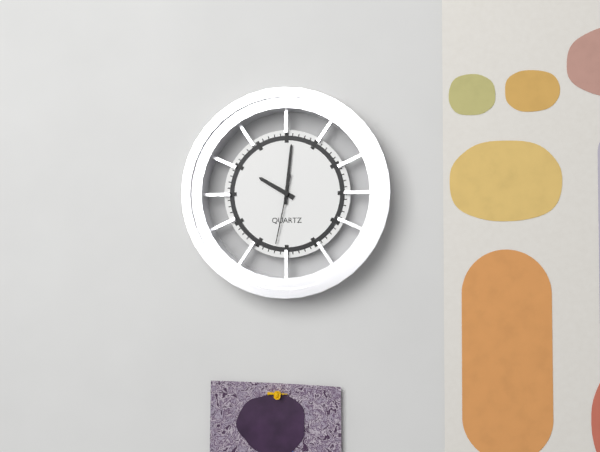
10:01:32
